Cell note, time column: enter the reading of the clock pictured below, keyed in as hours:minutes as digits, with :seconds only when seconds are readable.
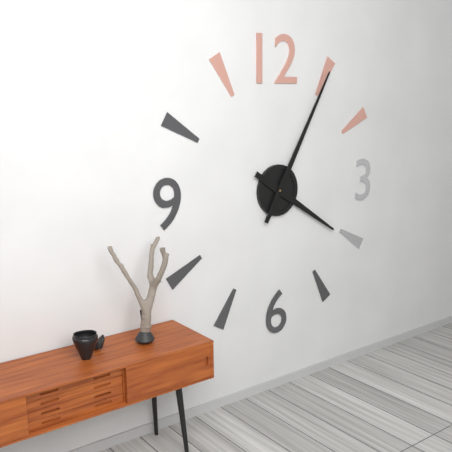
4:05
